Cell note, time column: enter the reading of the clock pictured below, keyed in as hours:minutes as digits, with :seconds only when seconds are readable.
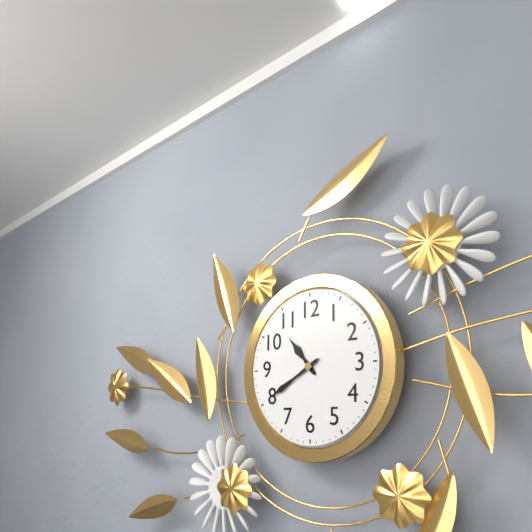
10:40
